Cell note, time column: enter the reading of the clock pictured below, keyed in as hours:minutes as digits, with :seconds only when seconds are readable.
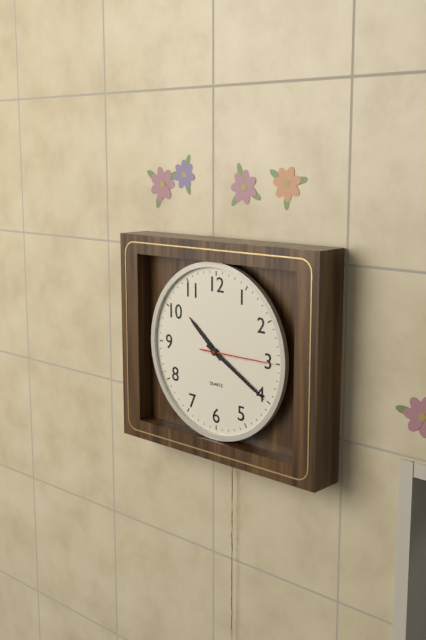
10:20:15
